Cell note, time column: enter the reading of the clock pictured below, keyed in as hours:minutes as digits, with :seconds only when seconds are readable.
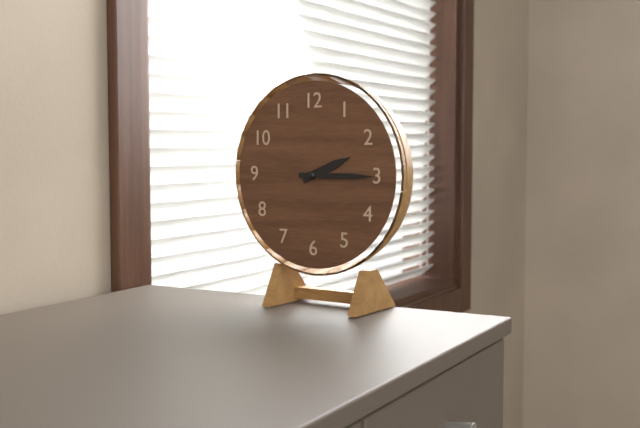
2:15
